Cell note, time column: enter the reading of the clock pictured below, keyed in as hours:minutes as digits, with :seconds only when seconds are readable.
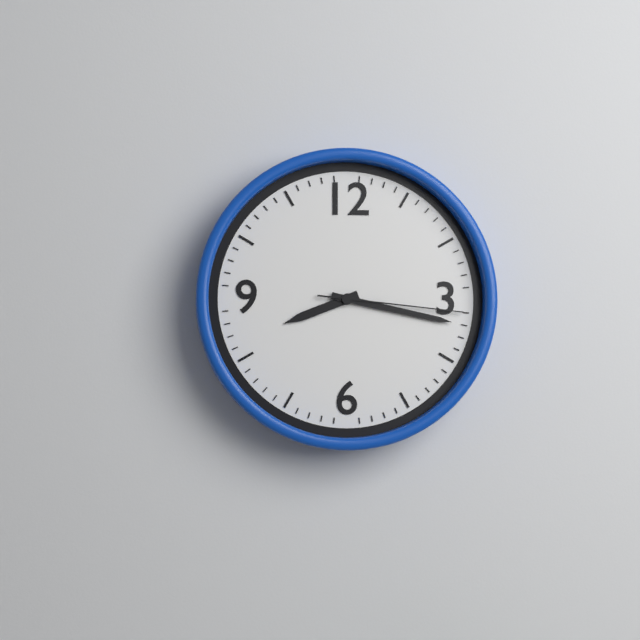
8:17:16
